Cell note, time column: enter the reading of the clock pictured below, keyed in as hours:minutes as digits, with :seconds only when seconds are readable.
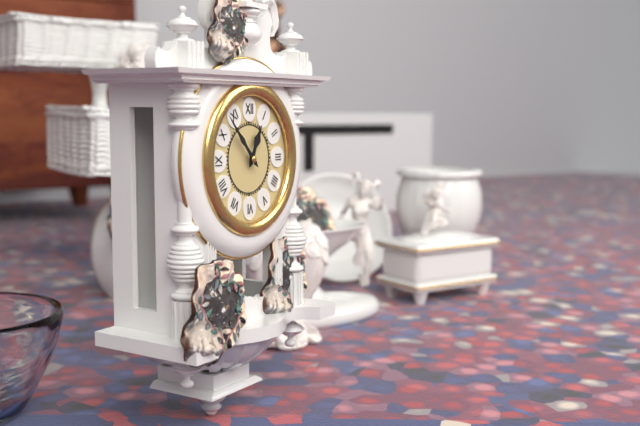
12:53
